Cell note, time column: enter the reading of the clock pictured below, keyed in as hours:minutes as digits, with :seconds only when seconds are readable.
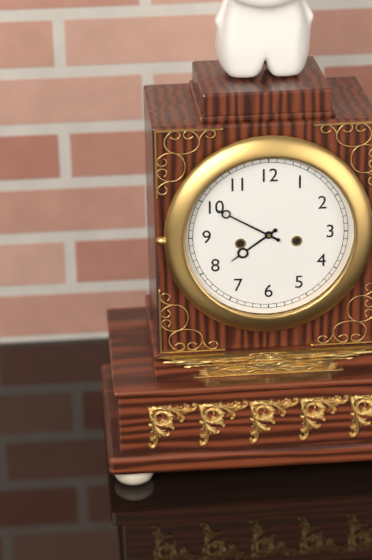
7:50
